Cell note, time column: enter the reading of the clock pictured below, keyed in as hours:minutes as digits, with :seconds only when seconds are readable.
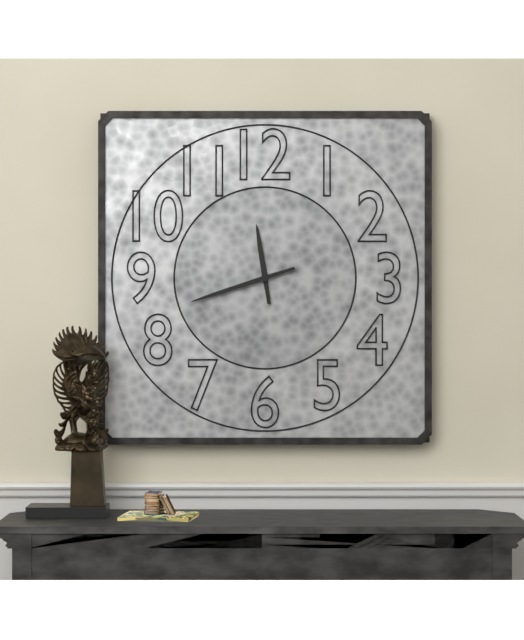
11:42
